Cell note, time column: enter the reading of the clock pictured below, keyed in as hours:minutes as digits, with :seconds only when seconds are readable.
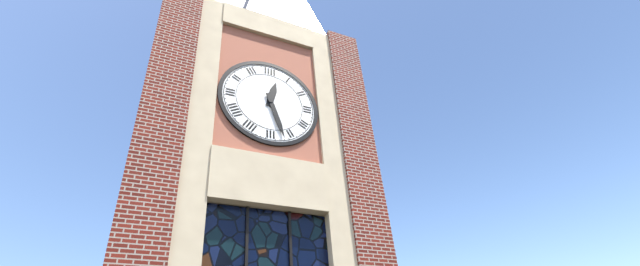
12:27
